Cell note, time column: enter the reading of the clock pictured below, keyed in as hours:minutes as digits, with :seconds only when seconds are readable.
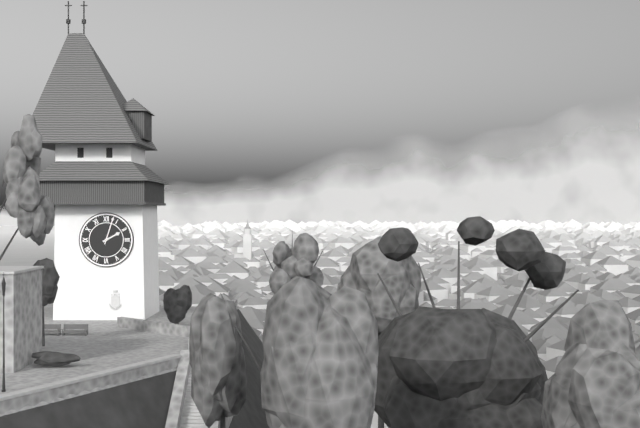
2:03
